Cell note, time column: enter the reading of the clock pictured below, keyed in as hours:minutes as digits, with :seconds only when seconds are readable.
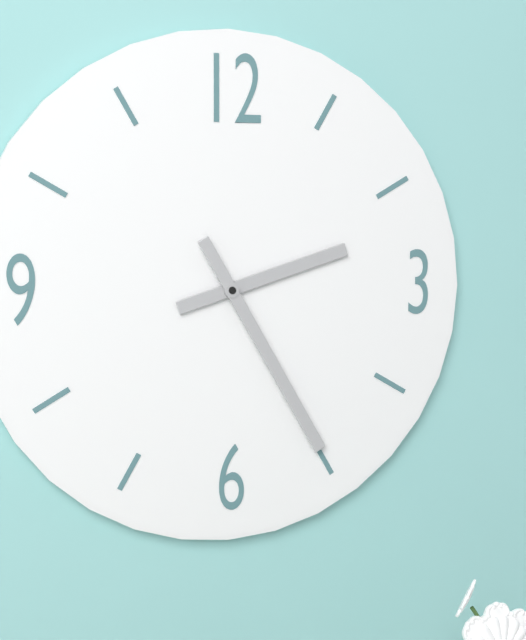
2:25
